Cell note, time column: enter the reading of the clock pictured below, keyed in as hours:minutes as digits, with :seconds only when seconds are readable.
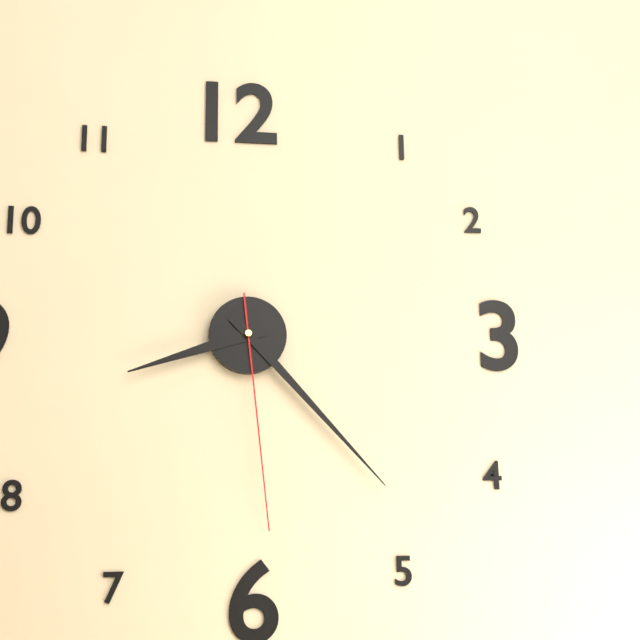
8:23:29
